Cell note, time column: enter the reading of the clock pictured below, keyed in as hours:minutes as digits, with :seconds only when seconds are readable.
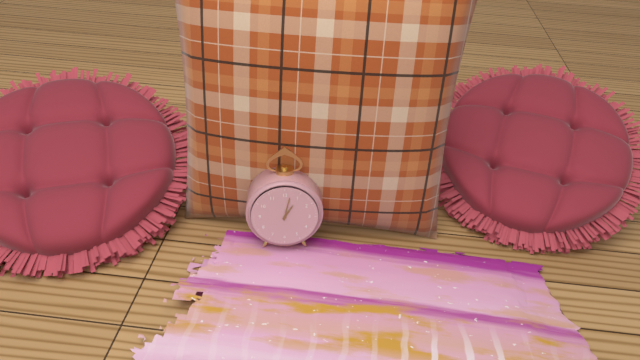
1:02
